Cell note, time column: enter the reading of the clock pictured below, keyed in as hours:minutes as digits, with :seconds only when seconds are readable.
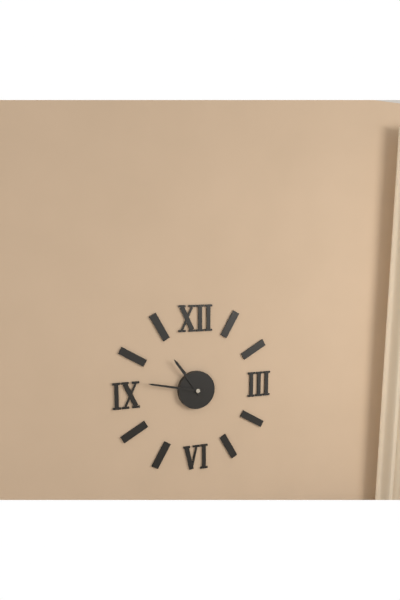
10:47
